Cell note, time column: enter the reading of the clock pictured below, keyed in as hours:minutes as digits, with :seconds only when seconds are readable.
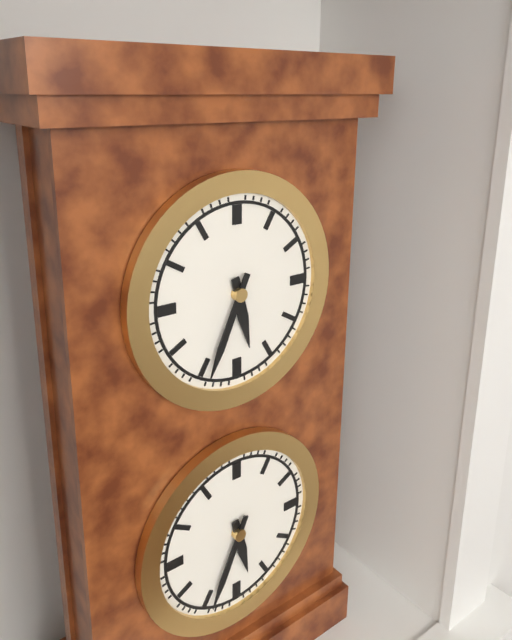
5:34
